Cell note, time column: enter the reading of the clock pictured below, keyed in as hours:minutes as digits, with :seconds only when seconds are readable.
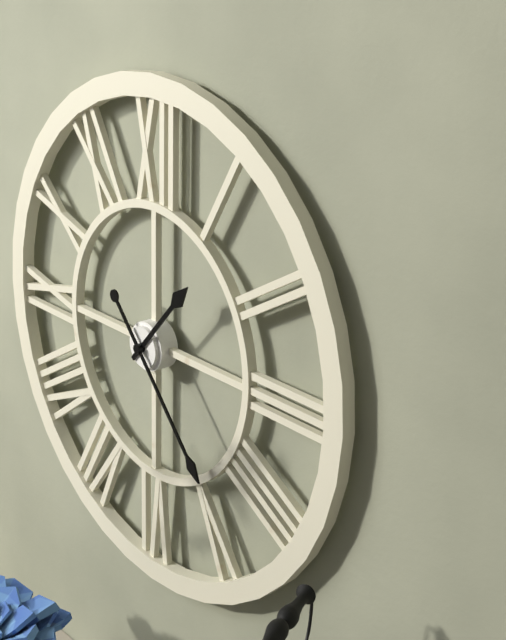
1:23
